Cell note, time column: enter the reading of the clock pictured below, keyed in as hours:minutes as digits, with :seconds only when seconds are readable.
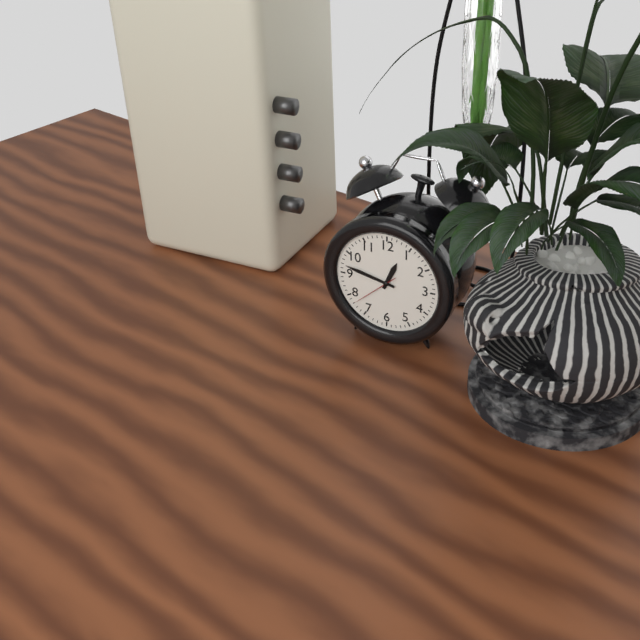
12:47
